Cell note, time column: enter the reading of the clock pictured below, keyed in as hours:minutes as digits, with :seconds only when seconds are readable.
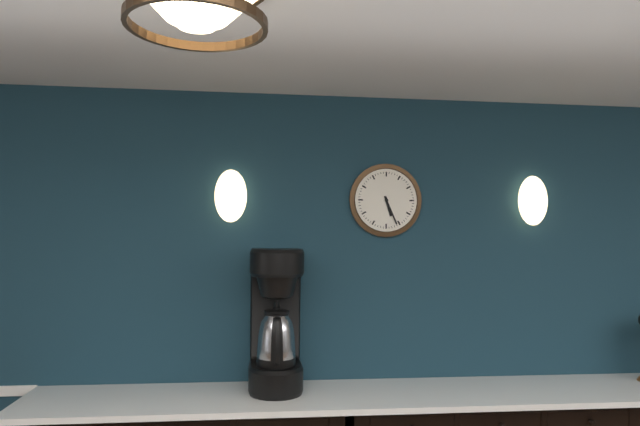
5:26
